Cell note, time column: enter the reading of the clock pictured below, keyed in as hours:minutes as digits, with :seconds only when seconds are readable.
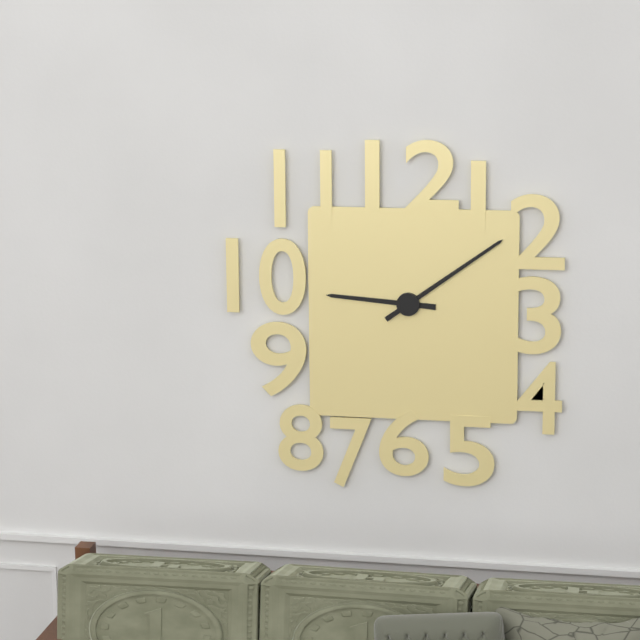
9:09
